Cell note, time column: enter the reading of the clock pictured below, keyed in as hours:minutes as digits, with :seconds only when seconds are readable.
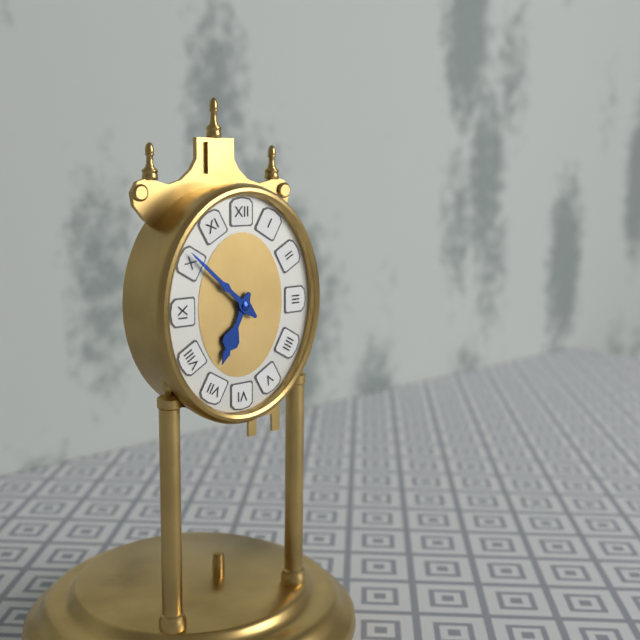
6:52
